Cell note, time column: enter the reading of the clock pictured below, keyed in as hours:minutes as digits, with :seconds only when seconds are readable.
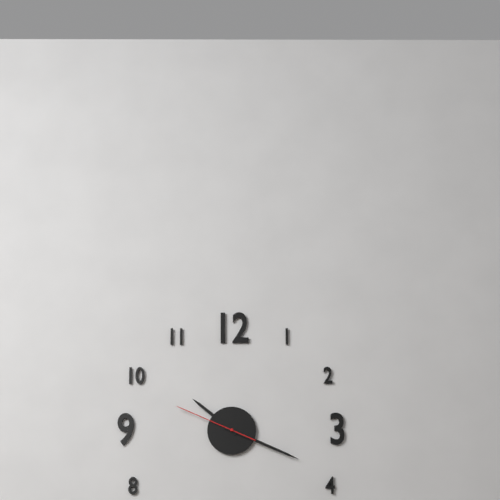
10:19:49
